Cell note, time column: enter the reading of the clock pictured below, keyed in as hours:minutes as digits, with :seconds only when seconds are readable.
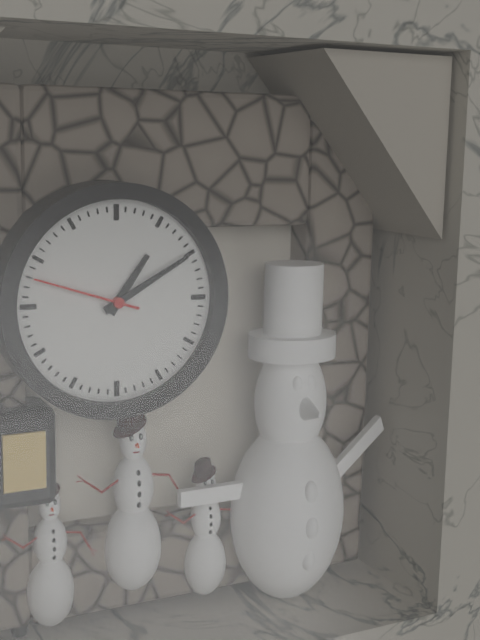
1:10:48
